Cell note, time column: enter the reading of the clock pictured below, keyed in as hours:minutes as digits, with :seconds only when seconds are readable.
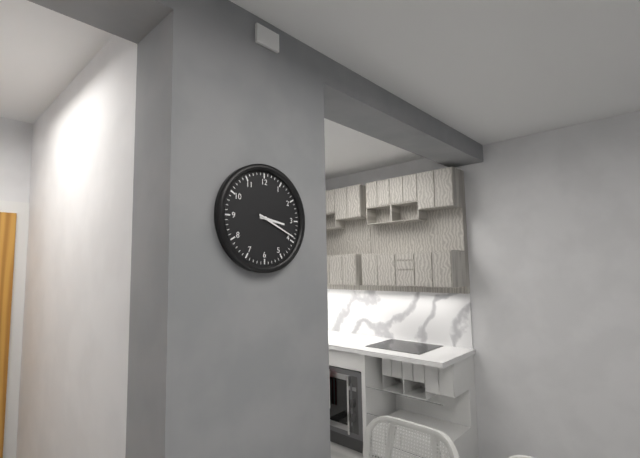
3:19
